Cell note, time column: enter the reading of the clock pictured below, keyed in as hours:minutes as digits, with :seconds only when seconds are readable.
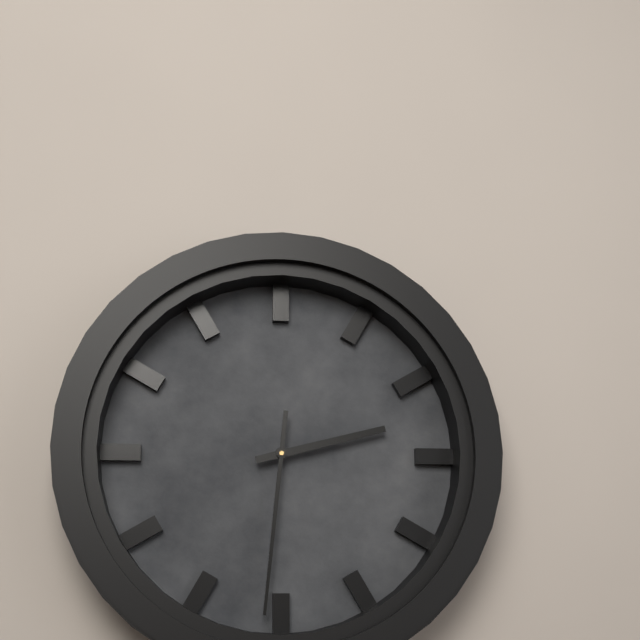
2:31
